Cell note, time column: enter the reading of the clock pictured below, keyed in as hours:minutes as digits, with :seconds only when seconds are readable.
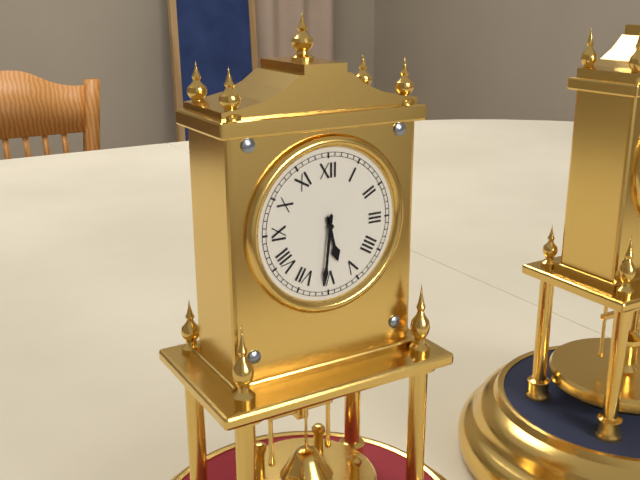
5:31
